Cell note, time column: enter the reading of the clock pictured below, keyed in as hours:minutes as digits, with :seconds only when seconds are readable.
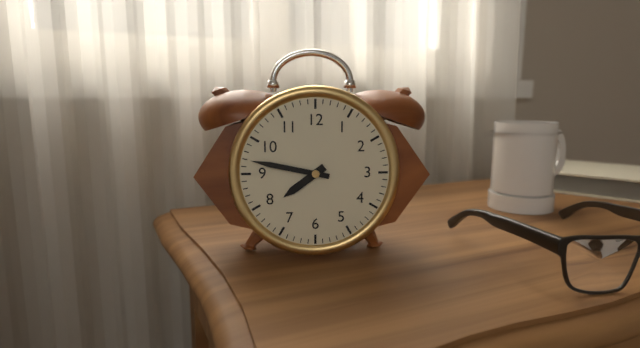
7:47
